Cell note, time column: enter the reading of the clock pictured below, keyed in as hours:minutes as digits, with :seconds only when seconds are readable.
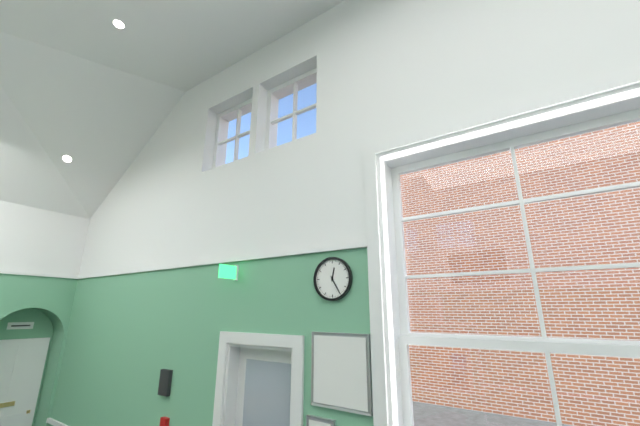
12:25
